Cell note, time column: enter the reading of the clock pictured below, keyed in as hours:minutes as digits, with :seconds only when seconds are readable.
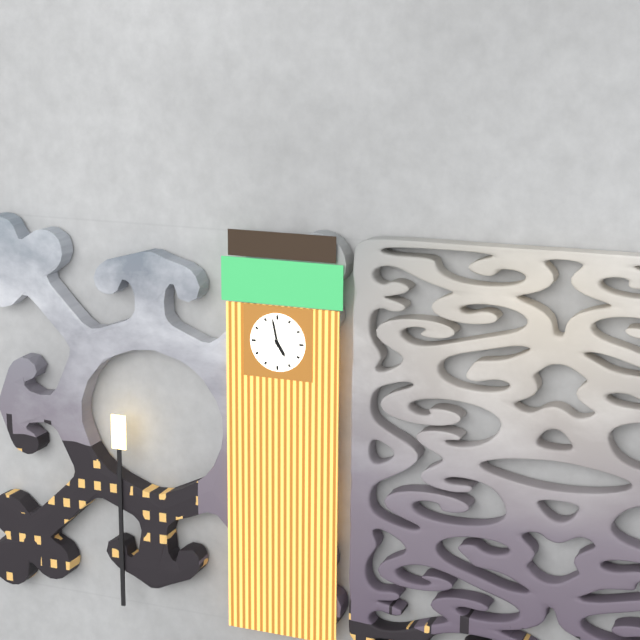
4:58
